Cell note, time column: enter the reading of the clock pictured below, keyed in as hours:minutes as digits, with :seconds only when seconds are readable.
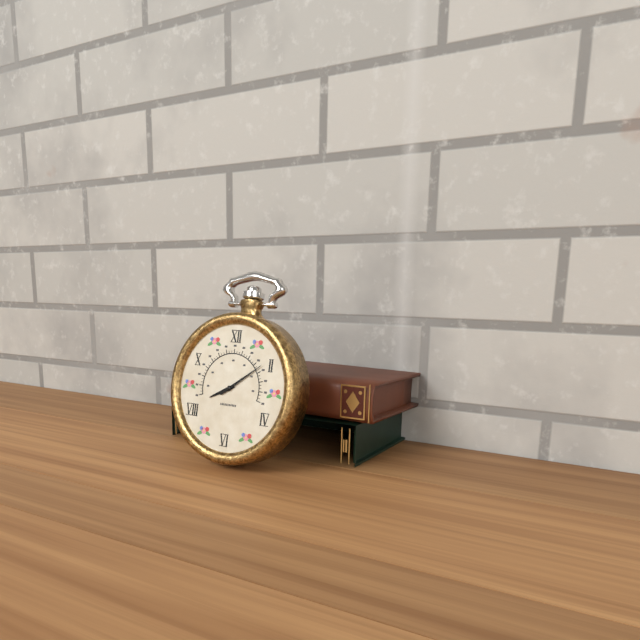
8:09
